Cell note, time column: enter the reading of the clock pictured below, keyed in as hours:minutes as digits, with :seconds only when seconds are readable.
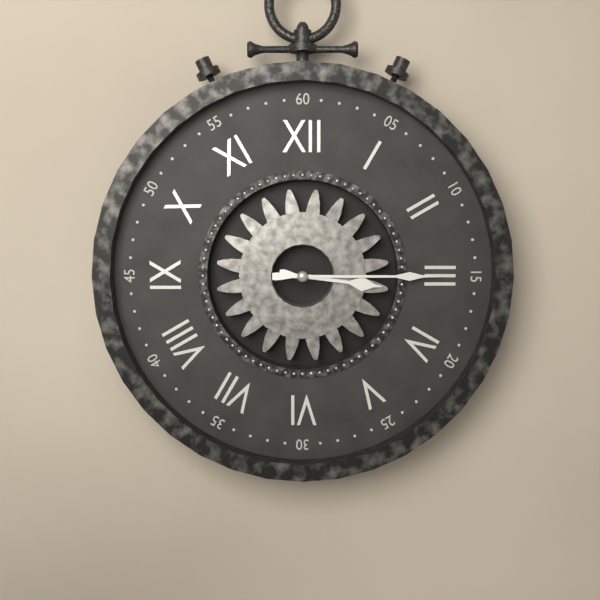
3:15
